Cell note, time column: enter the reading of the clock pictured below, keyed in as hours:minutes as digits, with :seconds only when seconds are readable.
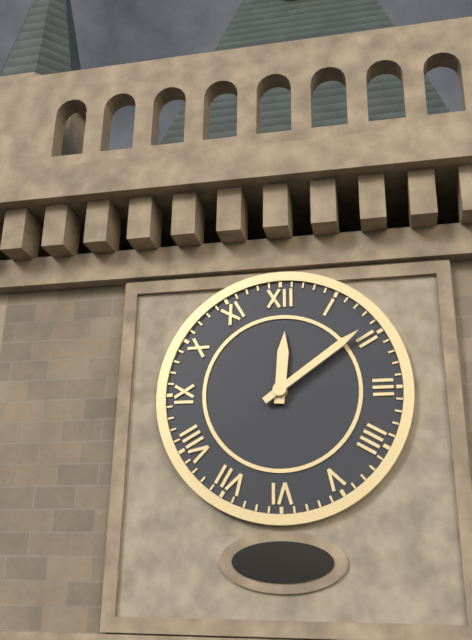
12:09
